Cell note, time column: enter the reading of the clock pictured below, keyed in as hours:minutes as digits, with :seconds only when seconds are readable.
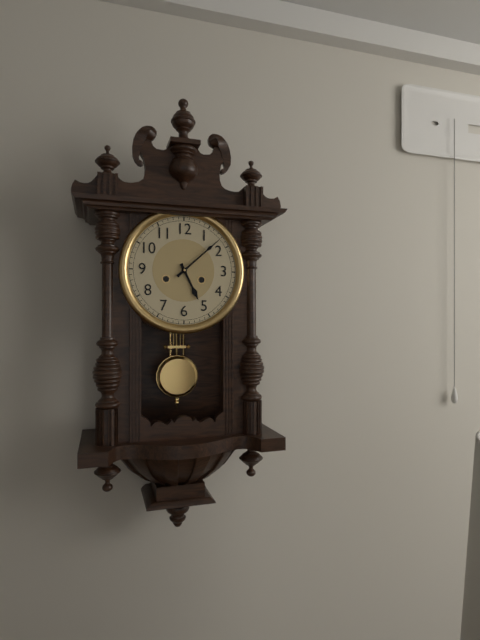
5:08
